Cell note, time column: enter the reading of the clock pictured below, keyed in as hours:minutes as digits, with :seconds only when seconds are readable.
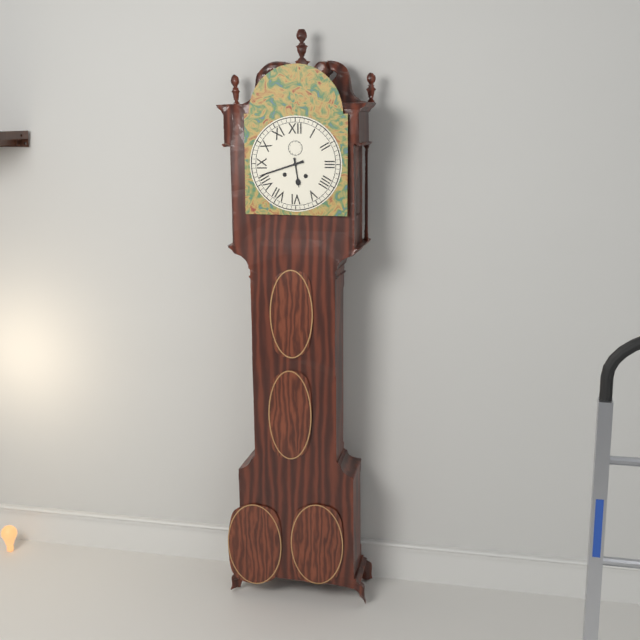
5:42
